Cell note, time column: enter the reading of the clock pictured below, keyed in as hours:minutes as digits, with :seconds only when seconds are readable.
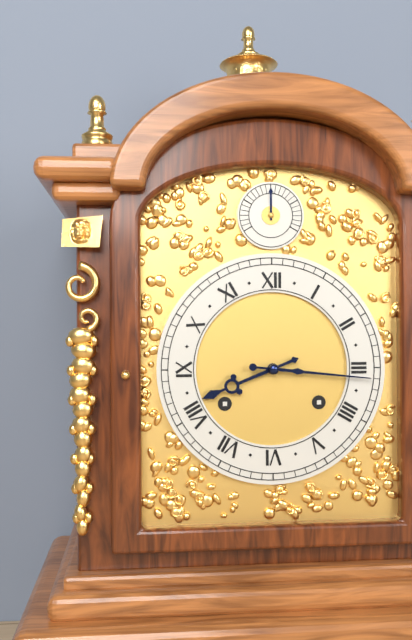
8:16
